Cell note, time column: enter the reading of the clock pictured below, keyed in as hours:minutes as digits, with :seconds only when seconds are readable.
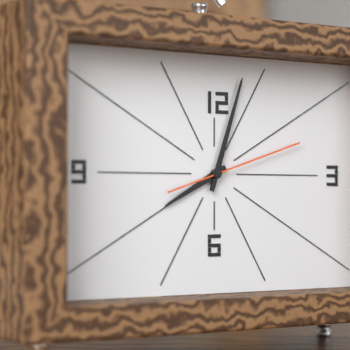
8:03:12
